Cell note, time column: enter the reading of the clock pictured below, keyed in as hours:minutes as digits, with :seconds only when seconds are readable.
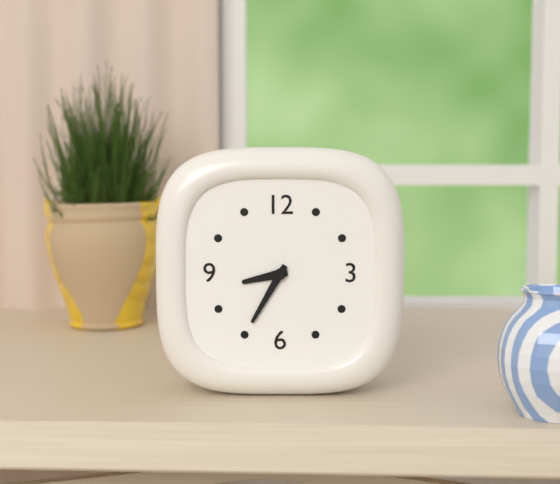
8:35
